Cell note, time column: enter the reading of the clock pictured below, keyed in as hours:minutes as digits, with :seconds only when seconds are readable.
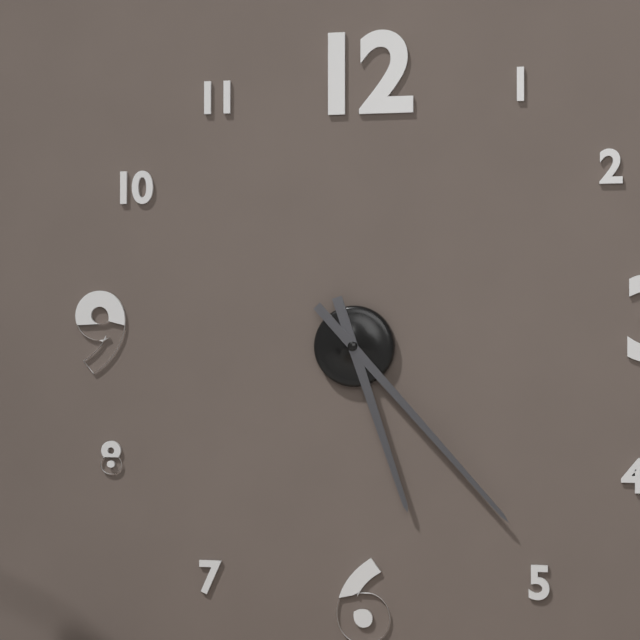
5:23
